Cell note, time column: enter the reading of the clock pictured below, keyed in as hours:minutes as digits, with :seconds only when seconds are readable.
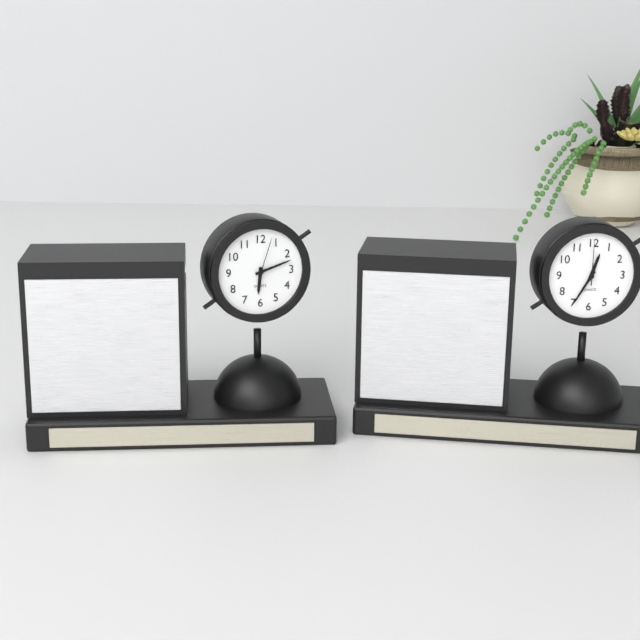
6:12
